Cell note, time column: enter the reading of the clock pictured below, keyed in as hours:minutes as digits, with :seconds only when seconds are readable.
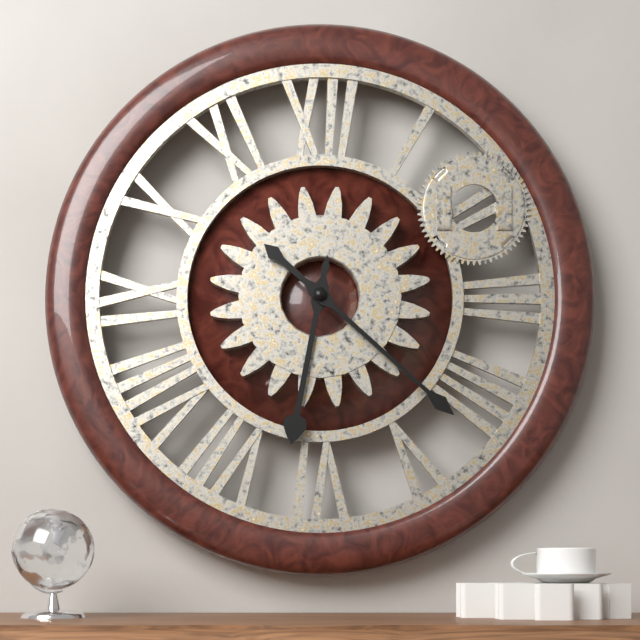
6:22
